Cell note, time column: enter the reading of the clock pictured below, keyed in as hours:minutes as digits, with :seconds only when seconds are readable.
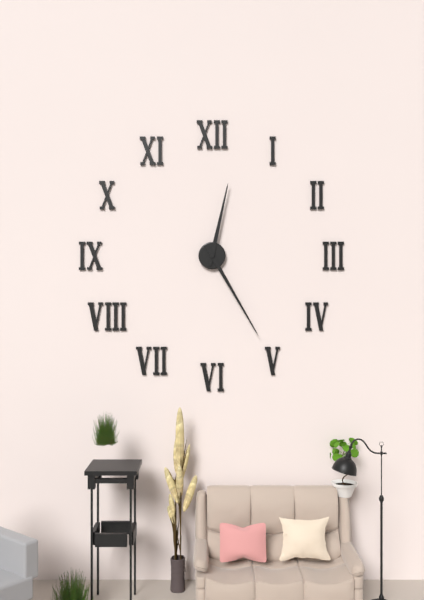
12:25
